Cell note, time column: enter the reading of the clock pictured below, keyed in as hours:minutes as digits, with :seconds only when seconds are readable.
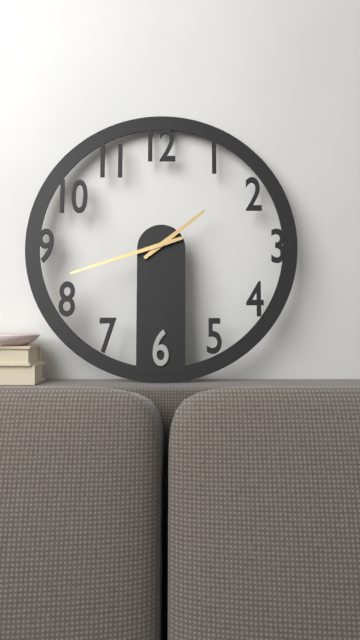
1:42
